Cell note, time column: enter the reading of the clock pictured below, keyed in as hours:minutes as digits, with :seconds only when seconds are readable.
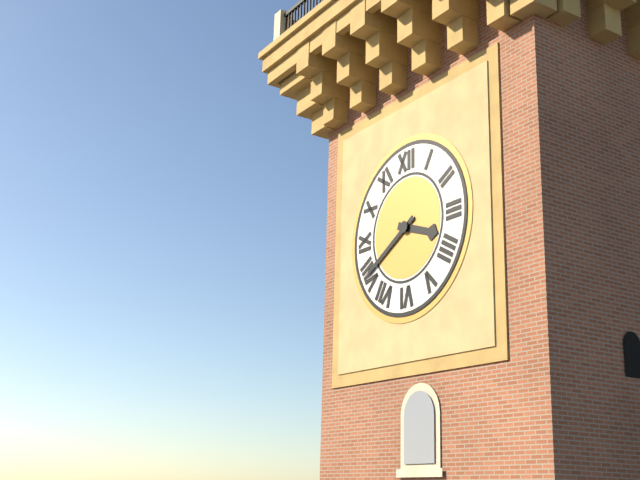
3:40
